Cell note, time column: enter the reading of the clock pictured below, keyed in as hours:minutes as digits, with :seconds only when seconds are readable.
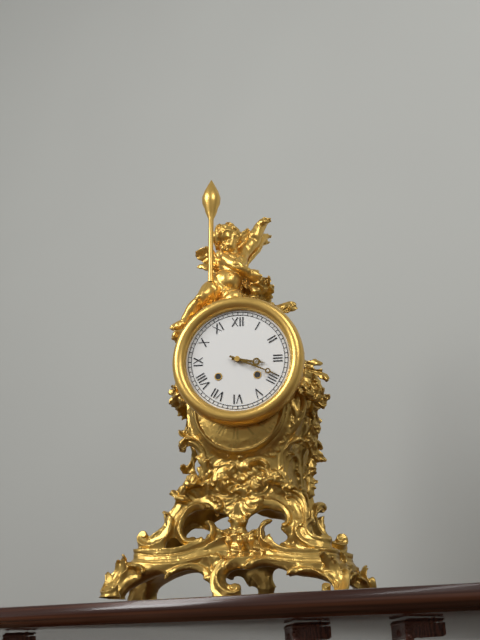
3:19
